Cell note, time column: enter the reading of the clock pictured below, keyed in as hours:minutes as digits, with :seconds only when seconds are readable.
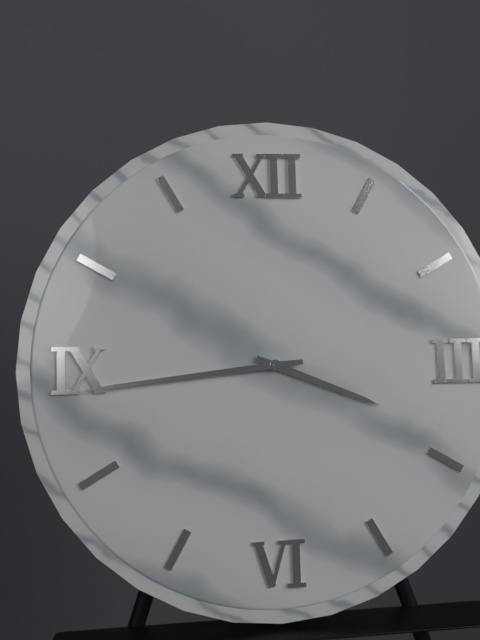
3:44
